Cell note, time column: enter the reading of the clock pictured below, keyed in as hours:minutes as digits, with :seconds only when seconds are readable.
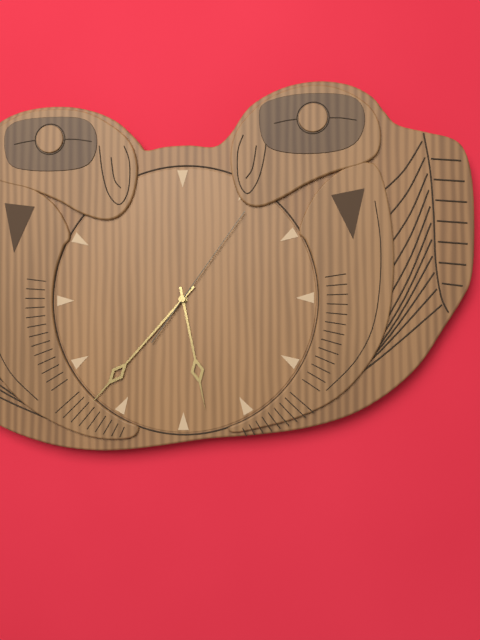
5:37:06
